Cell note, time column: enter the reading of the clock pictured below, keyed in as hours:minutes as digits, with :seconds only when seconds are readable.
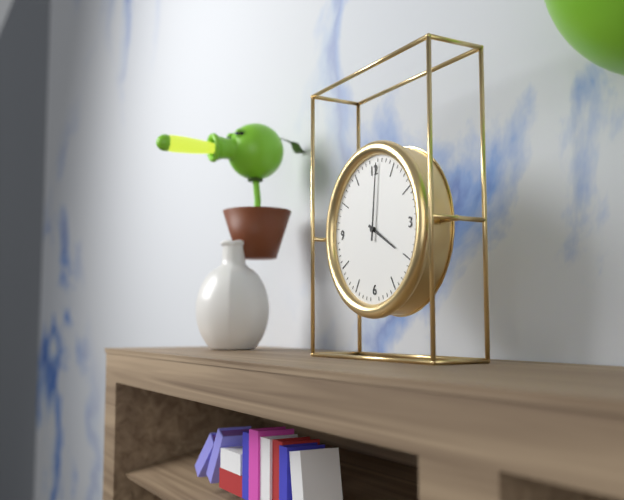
4:01
